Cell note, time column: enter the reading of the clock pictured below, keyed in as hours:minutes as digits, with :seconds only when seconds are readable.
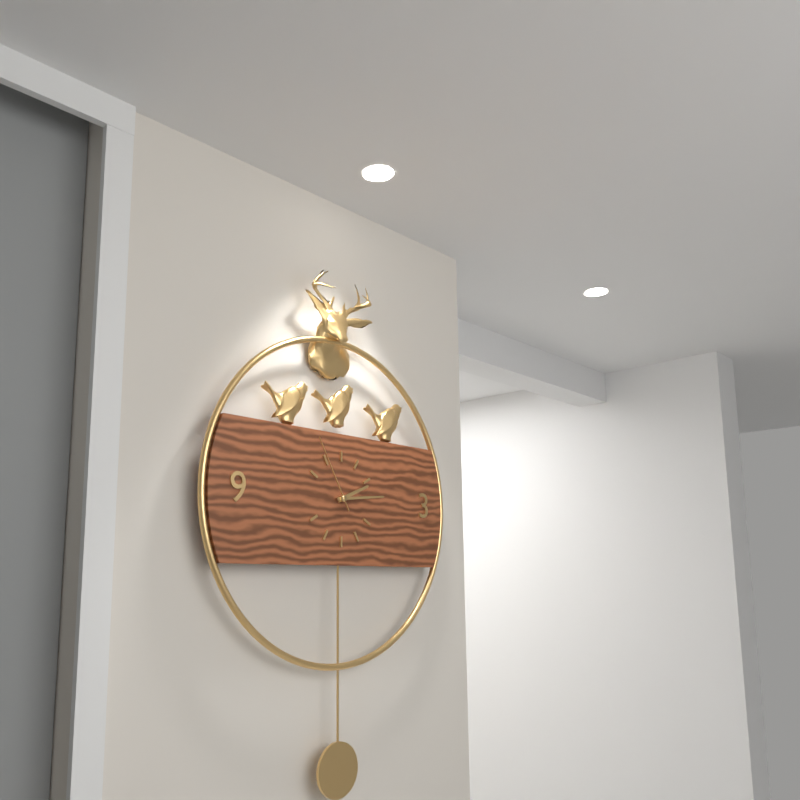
2:14:55
